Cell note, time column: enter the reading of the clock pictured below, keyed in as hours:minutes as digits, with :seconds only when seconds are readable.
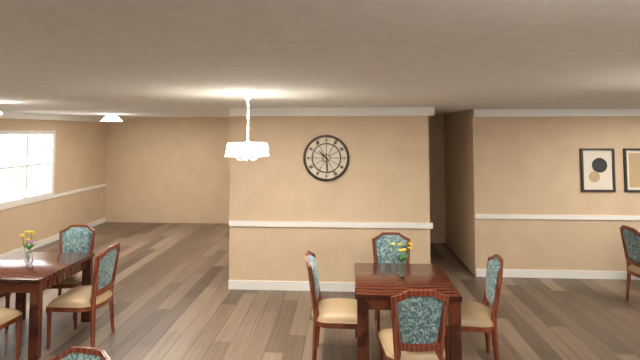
10:29
